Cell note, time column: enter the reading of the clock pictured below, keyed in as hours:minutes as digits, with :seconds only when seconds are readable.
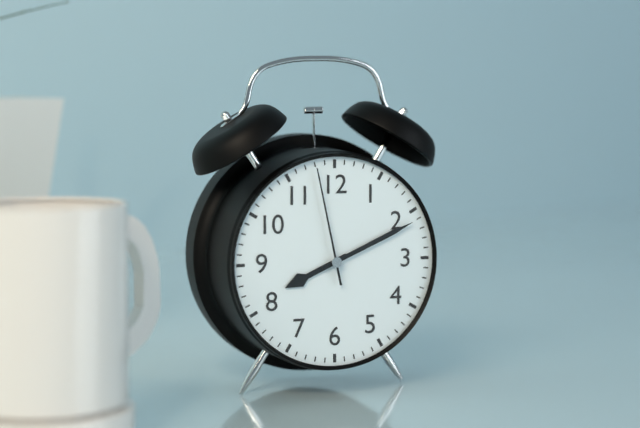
8:11:58
